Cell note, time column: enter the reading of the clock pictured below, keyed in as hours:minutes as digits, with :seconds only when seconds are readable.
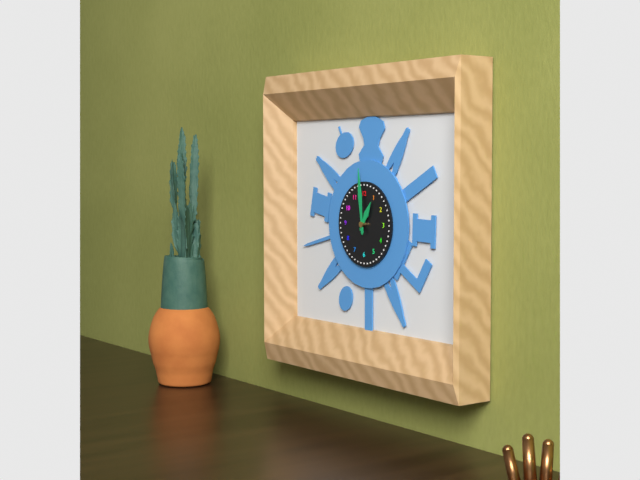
12:59
